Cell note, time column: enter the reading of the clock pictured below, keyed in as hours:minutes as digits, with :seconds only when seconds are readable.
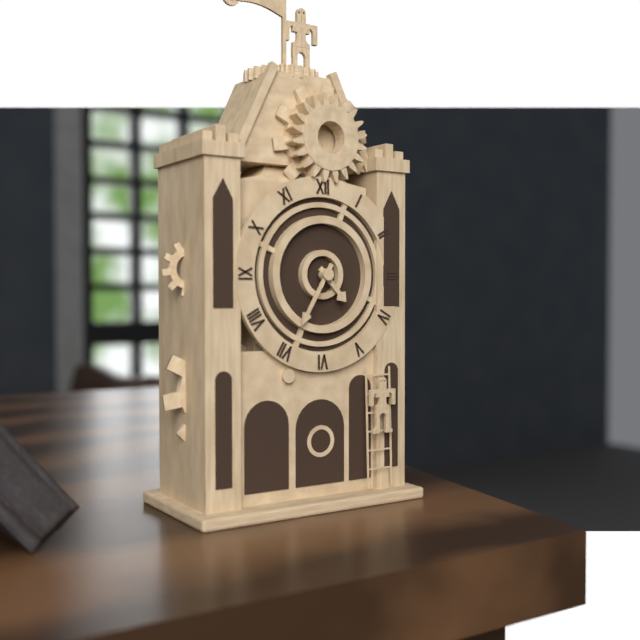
4:35
